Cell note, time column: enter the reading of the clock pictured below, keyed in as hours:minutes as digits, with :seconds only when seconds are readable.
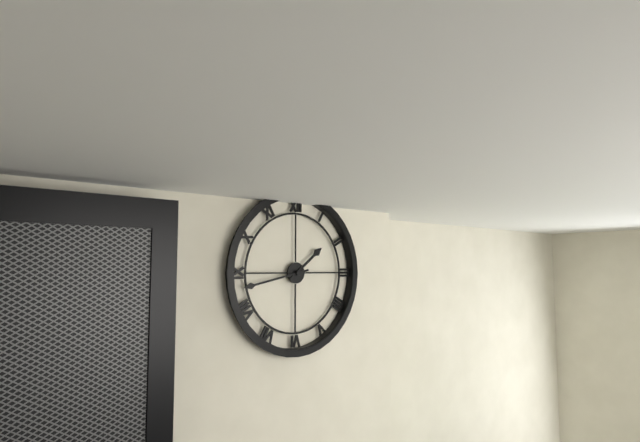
1:43
